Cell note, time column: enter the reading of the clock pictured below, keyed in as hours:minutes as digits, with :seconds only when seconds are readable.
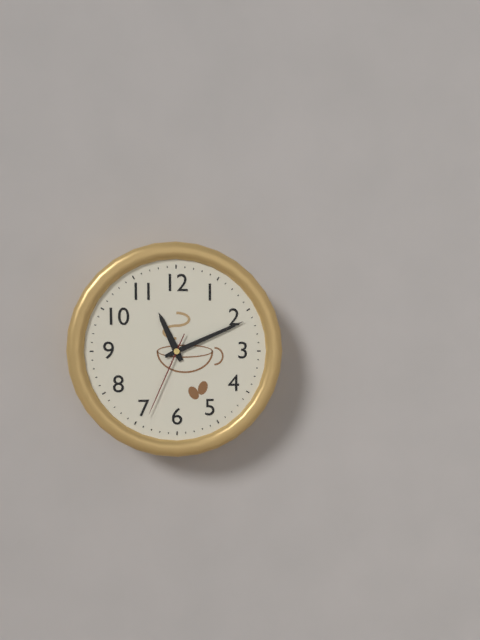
11:11:34
